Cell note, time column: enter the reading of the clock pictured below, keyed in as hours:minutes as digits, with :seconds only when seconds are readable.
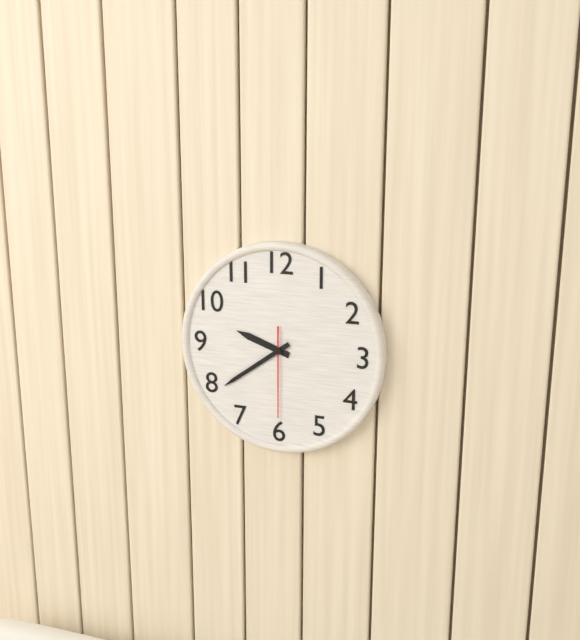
9:39:30
